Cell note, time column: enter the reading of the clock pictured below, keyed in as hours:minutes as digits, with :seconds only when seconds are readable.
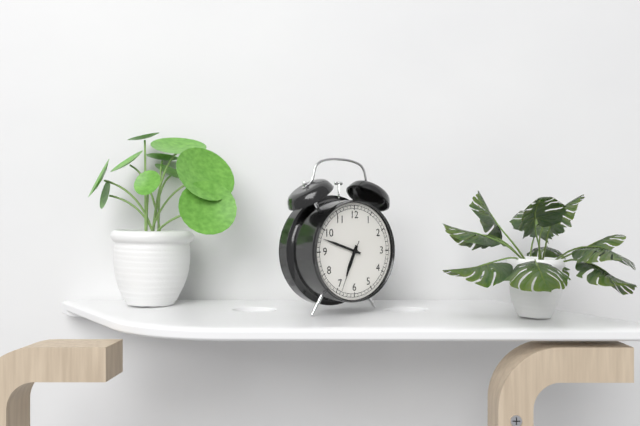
6:48:34
